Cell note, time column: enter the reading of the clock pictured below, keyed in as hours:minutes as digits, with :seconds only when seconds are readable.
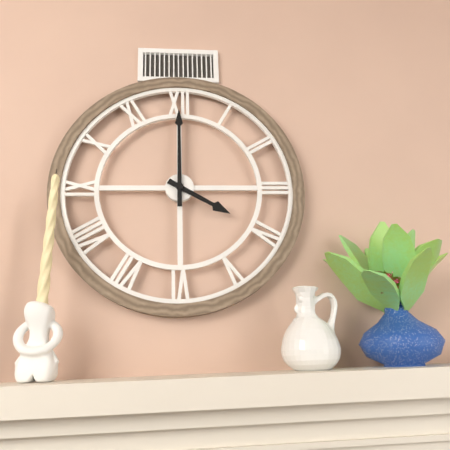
4:00
